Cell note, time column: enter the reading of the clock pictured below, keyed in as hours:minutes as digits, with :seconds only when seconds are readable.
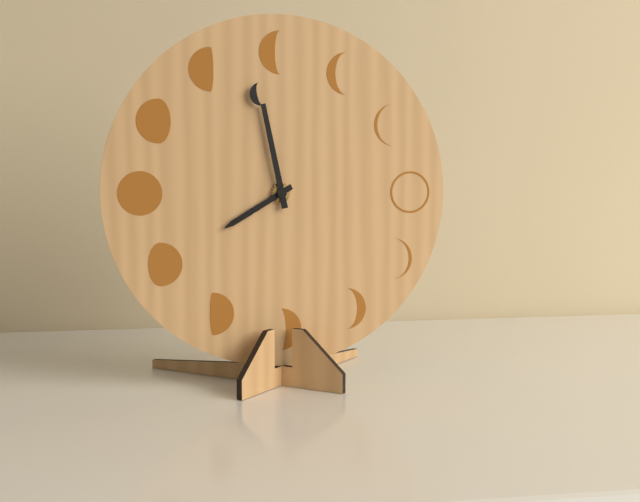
7:58
